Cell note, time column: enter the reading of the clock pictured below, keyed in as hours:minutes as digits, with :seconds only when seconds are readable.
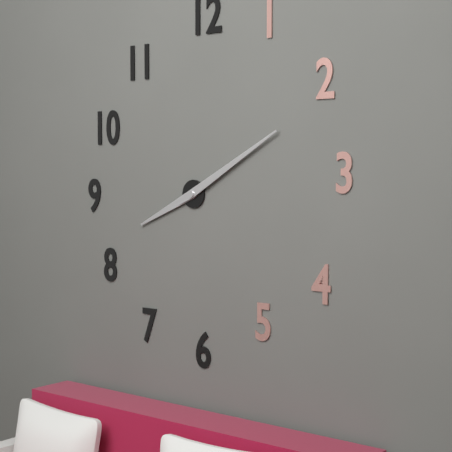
8:10
